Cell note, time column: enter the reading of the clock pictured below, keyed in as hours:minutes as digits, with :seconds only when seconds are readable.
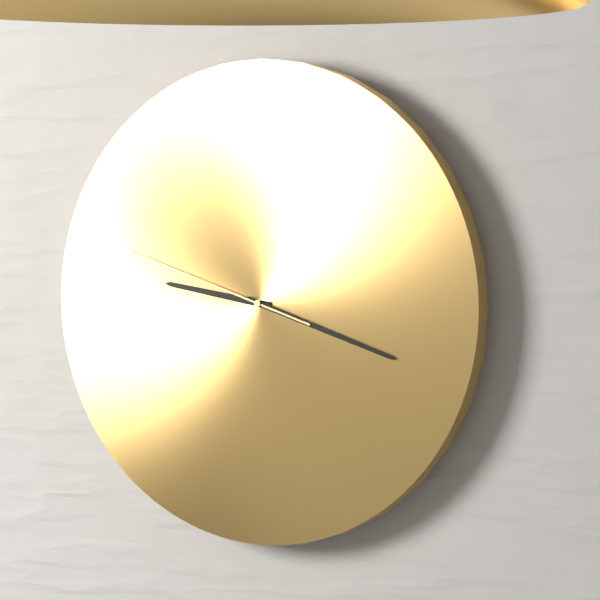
9:18:48
